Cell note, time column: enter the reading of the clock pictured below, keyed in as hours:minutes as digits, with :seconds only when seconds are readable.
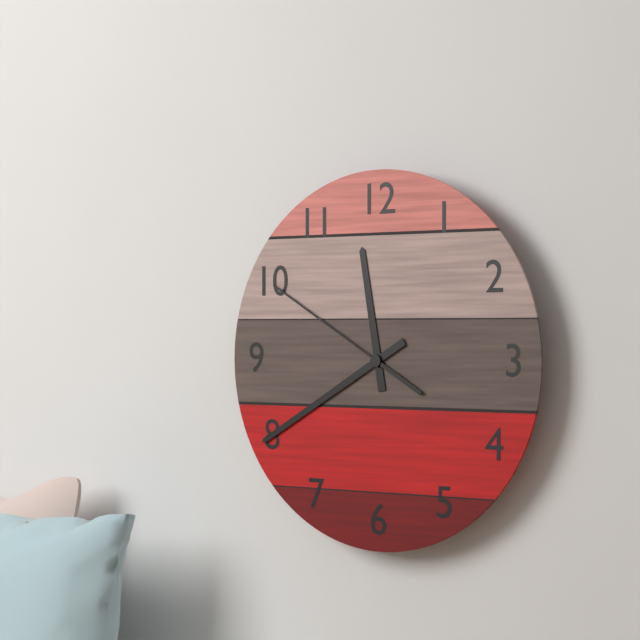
11:40:50
